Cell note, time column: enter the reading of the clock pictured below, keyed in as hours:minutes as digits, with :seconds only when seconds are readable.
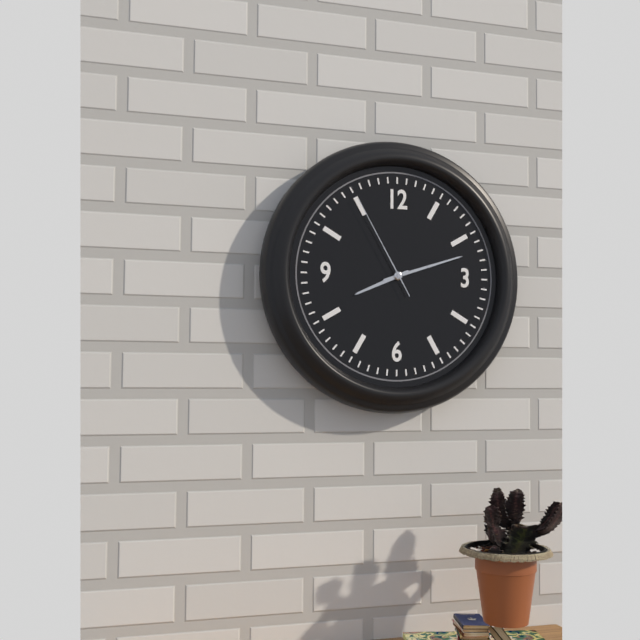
8:12:55
